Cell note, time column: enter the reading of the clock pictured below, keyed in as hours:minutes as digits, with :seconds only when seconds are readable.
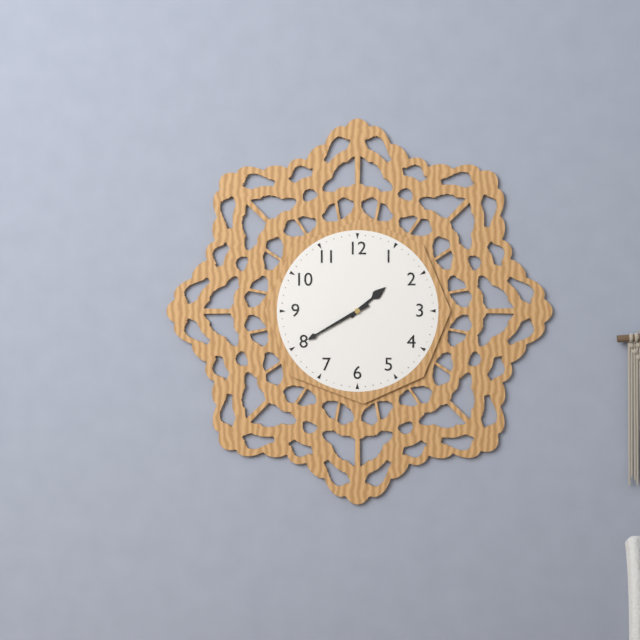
1:40
